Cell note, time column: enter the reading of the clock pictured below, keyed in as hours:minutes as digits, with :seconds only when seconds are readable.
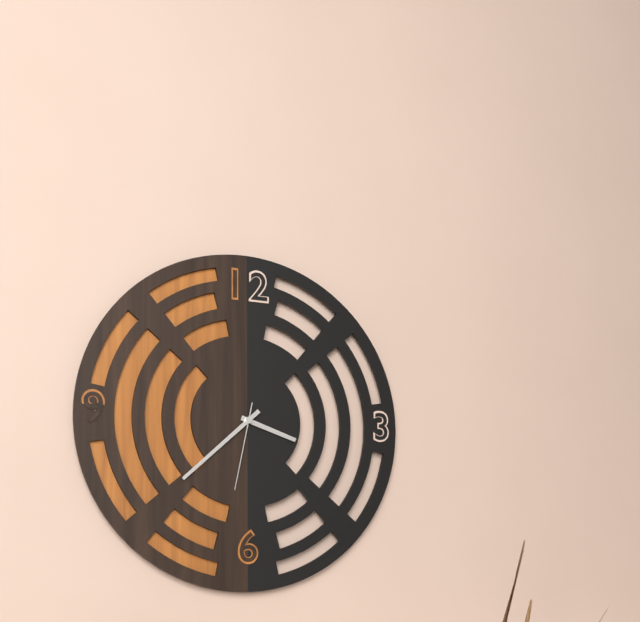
3:38:32
